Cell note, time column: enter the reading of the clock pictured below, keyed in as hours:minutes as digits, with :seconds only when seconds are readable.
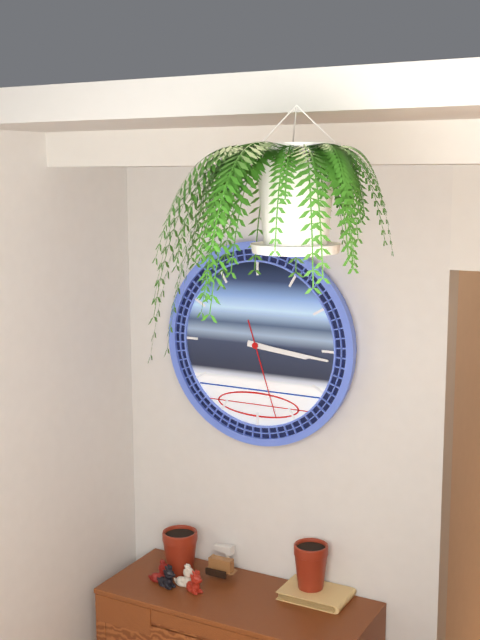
3:16:27
